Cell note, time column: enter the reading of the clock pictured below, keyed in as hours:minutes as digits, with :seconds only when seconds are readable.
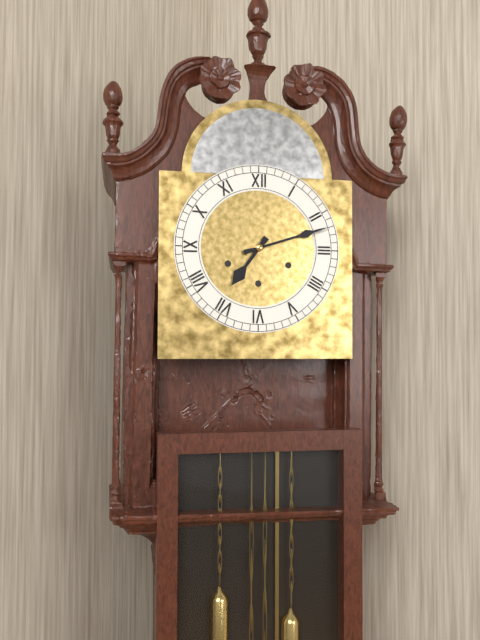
7:12
